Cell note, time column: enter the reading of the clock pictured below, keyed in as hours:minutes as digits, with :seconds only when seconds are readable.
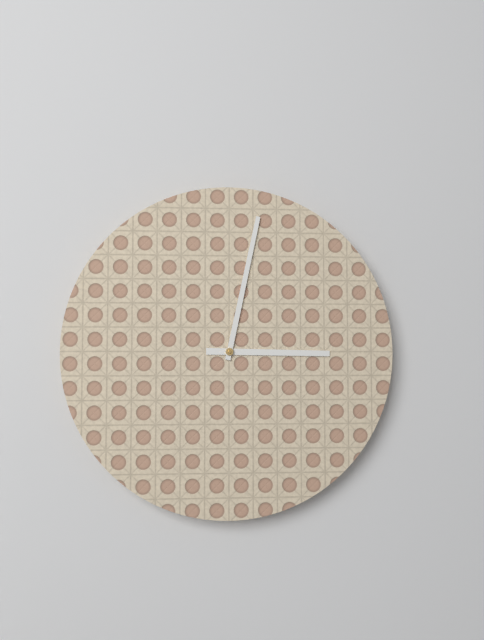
3:02
